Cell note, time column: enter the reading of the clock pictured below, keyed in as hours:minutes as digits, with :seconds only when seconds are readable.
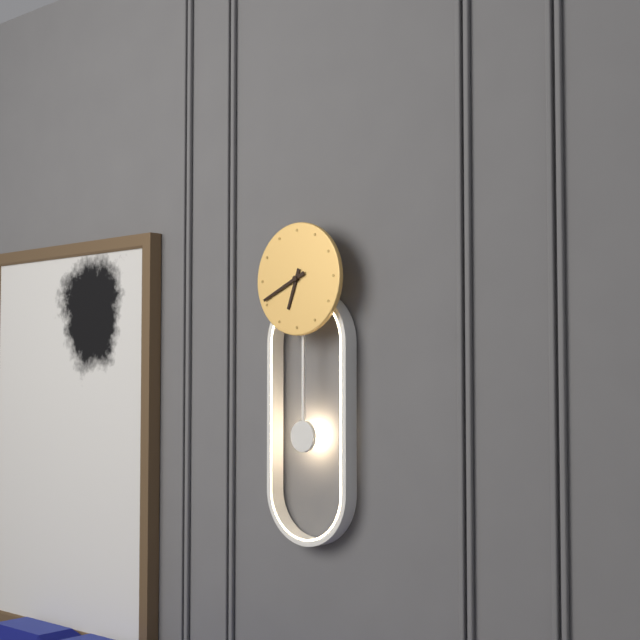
6:41
